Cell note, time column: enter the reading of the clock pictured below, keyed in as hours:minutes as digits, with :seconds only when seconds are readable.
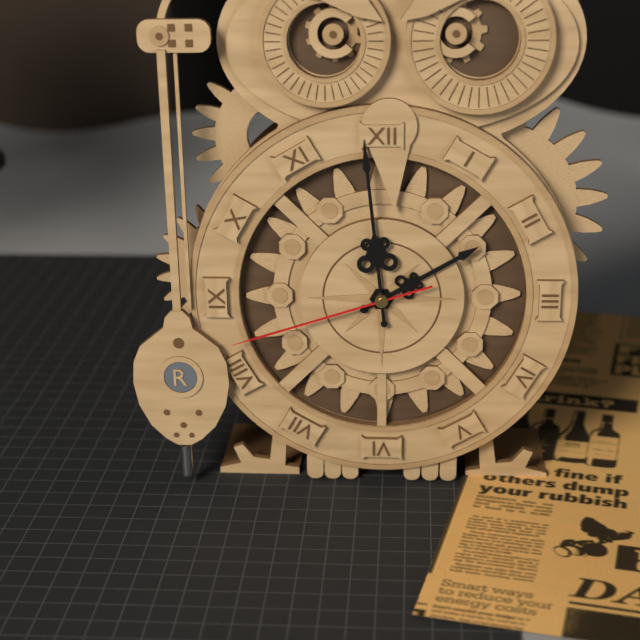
1:59:42
